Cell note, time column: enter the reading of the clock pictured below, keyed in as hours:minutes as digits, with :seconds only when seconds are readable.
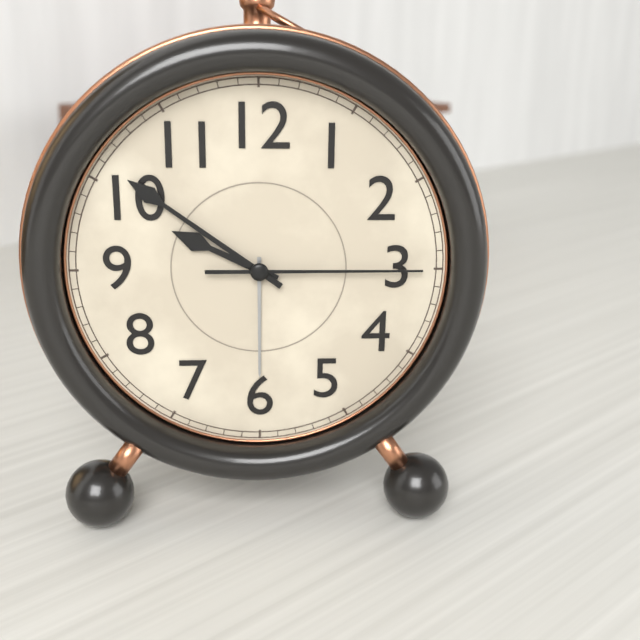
9:51:15
